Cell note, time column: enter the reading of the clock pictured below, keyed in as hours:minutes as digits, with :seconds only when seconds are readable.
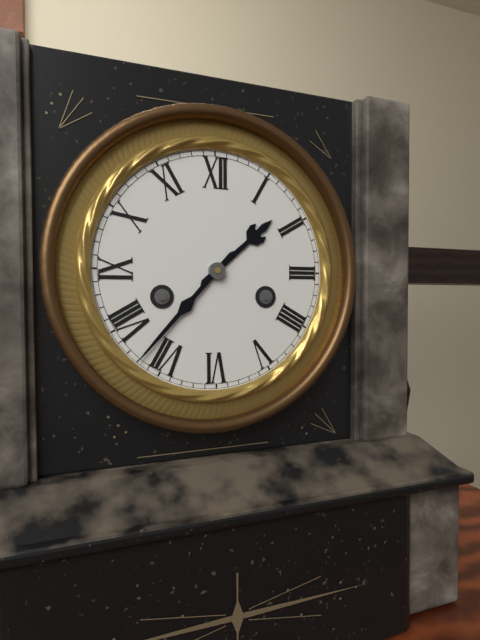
1:37
